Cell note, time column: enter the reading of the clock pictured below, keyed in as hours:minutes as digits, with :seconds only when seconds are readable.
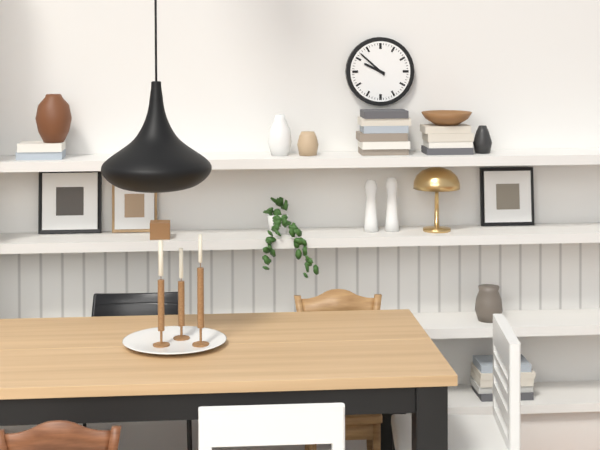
9:52
